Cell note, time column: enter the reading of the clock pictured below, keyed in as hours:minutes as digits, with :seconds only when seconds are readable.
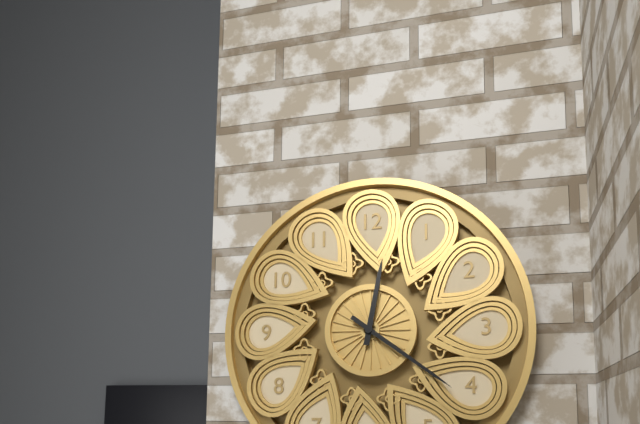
12:21
